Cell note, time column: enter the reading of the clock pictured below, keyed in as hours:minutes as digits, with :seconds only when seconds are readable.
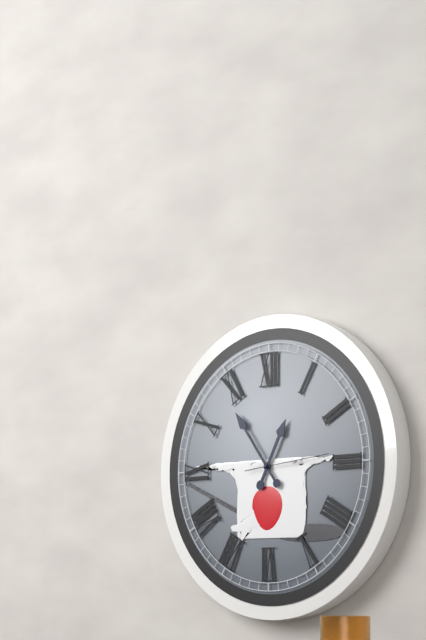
12:54:14
